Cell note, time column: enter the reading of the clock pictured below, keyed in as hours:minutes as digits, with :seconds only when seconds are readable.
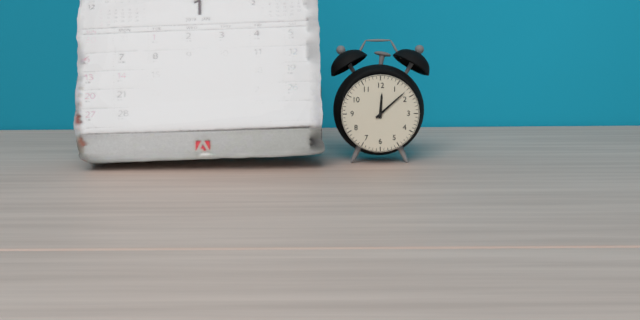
12:08
